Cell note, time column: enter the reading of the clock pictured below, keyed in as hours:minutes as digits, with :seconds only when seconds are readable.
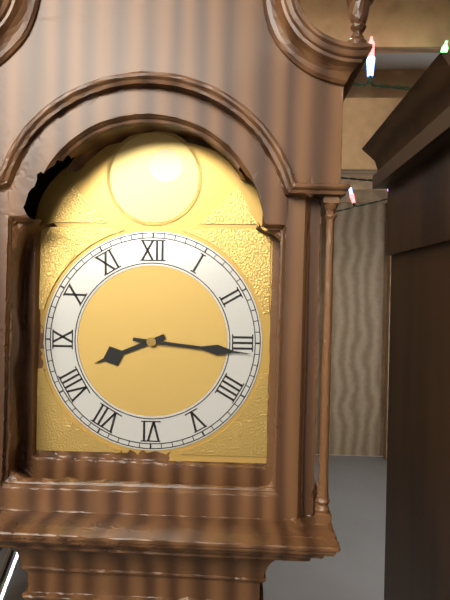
8:16
